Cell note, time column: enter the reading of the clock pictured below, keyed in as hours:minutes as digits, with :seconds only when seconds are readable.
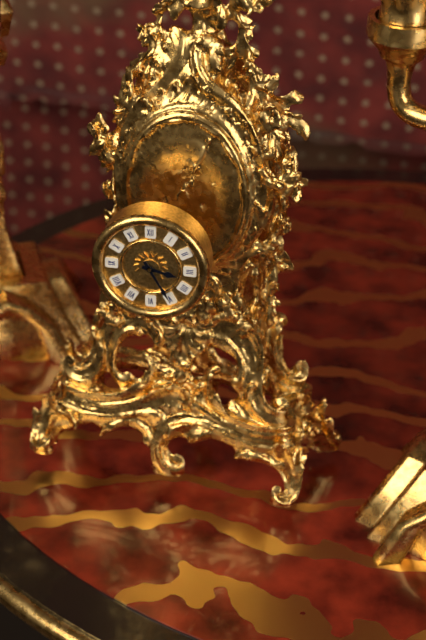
3:25
